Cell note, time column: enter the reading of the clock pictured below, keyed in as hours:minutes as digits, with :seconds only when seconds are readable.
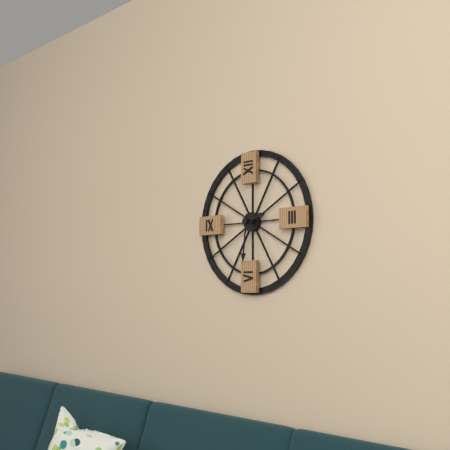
2:31
